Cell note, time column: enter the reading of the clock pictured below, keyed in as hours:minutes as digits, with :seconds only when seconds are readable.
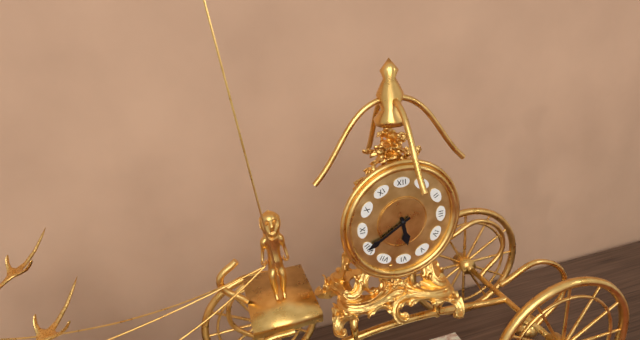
5:40
